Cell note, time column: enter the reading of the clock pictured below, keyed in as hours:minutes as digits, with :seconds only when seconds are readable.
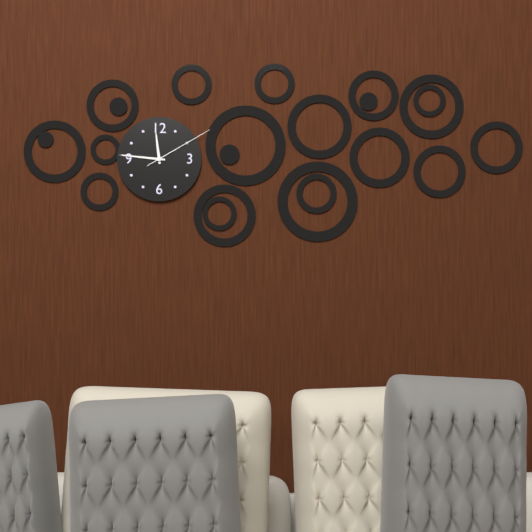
11:46:10
